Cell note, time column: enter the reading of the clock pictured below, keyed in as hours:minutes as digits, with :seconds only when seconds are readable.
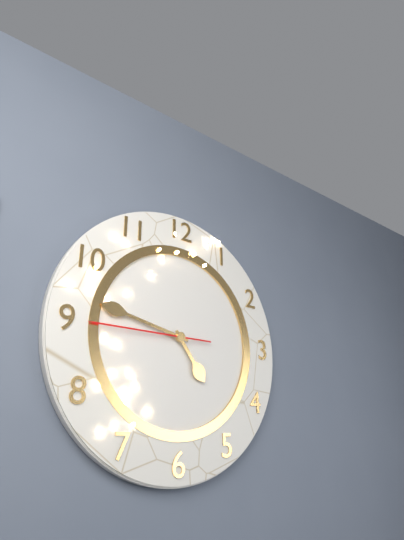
4:47:45
